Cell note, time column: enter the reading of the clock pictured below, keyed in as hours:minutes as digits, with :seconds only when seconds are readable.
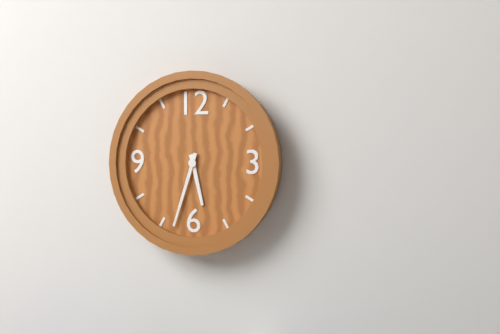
5:33
